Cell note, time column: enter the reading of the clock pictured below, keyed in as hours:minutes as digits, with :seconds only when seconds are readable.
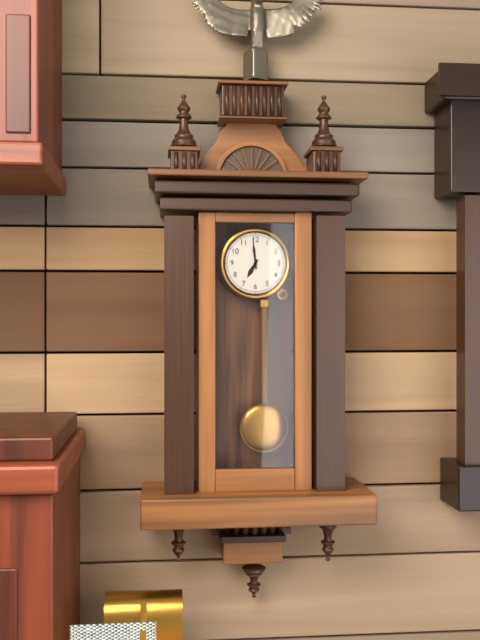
6:59
